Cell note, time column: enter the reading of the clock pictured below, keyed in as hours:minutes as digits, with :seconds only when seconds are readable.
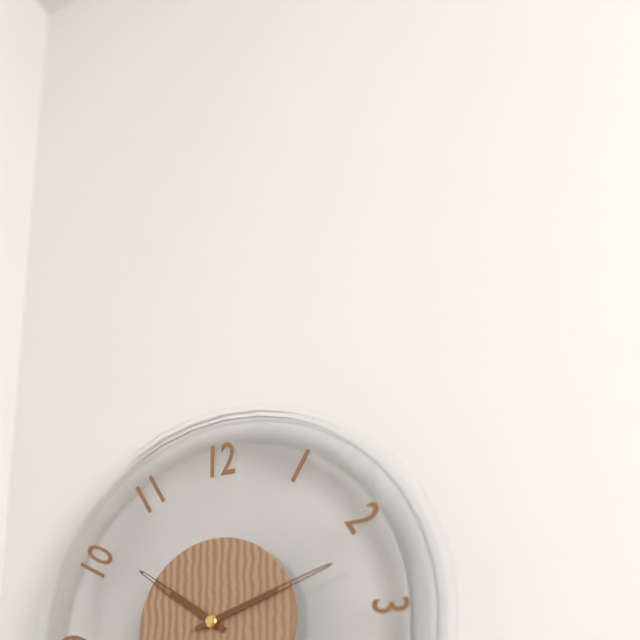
10:12
